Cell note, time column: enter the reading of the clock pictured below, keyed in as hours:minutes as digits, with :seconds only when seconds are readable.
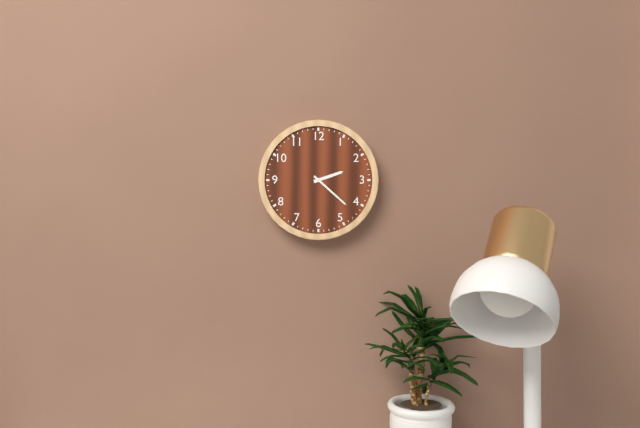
2:22
